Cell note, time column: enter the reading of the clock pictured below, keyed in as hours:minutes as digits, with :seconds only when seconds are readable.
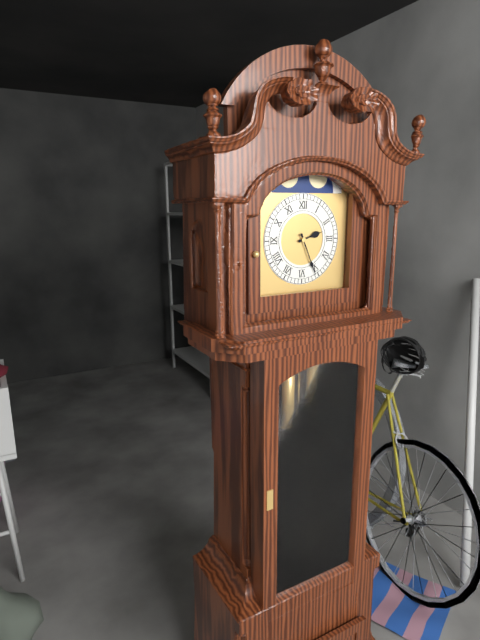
2:26
